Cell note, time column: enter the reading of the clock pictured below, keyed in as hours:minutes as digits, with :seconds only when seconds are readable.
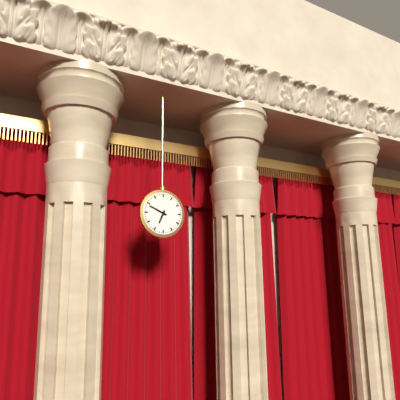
6:49
